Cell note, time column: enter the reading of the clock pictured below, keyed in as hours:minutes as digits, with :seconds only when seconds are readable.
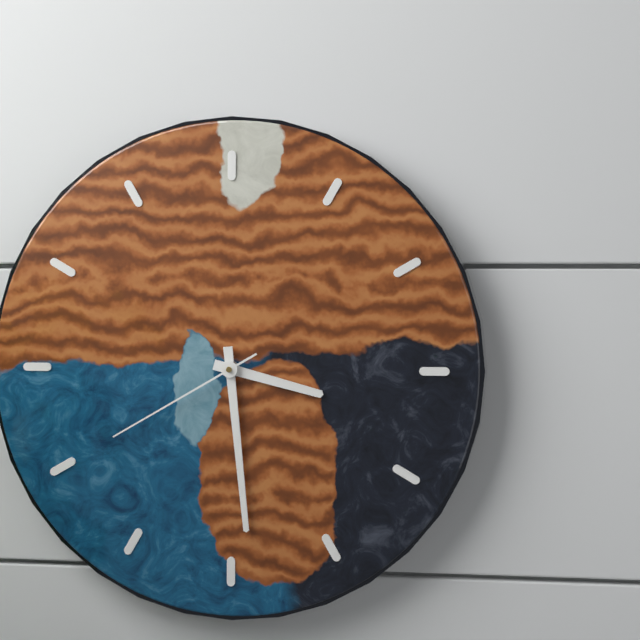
3:29:40
